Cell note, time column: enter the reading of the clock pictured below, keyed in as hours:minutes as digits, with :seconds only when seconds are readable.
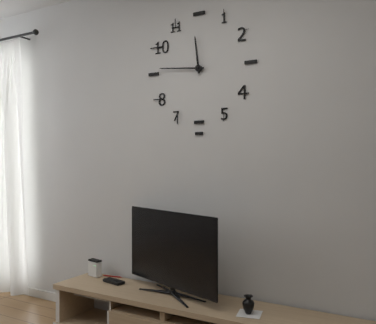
11:46
